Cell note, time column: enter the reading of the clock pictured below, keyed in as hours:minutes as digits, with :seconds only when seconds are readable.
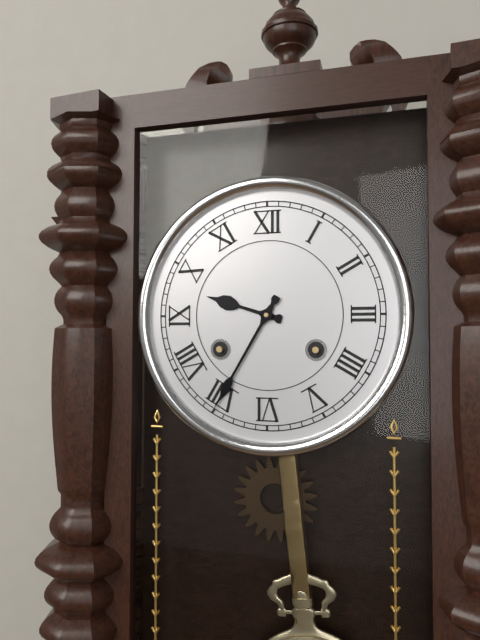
9:35
